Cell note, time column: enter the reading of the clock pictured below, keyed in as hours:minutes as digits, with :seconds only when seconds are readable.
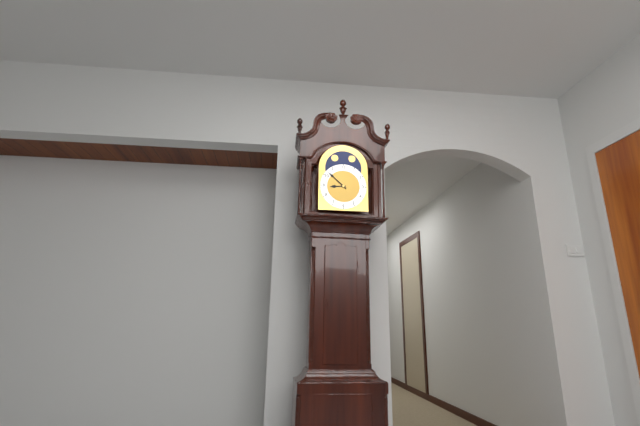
8:52
